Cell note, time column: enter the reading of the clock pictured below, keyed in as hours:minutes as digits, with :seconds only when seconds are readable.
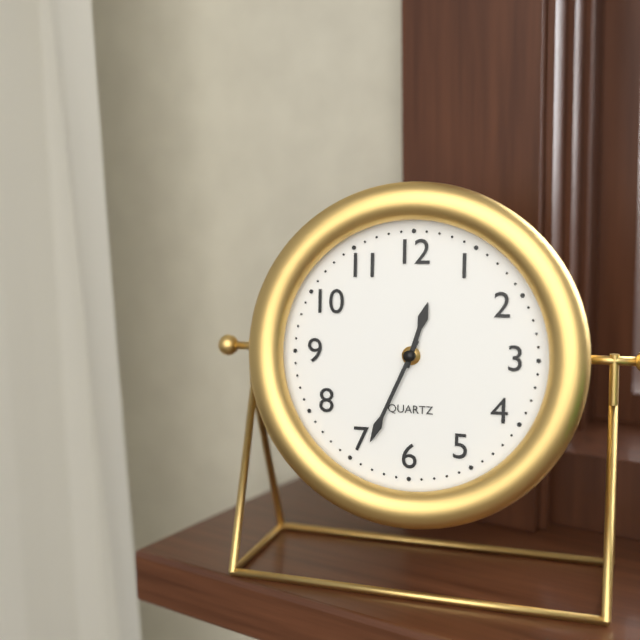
12:34
